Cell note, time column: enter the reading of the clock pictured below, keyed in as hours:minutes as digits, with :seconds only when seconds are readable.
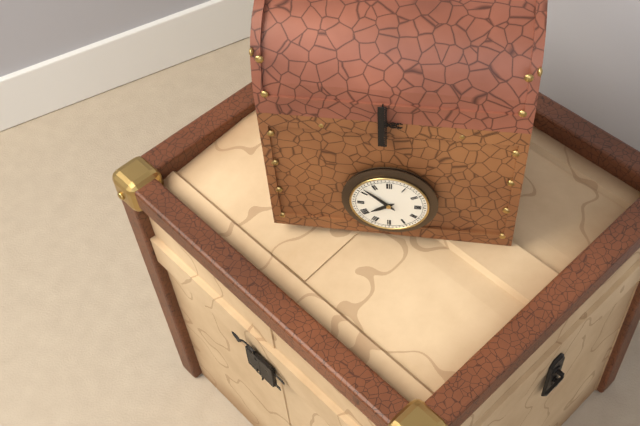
7:52
